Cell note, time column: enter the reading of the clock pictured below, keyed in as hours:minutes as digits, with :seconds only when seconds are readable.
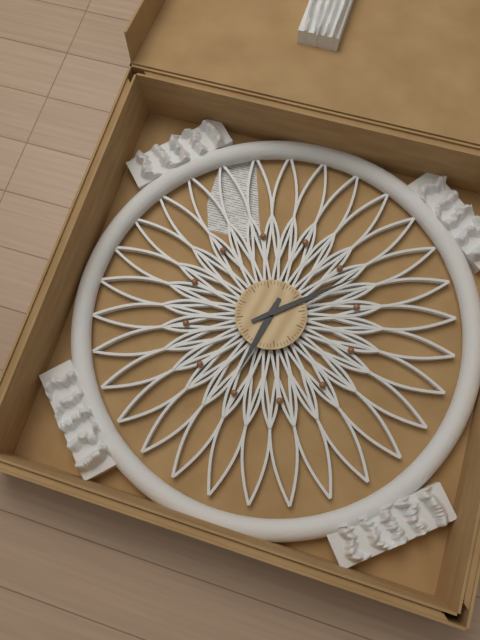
6:07
